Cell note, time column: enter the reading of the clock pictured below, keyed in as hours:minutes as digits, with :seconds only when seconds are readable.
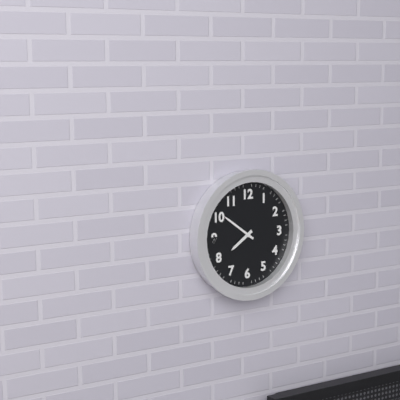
7:51
